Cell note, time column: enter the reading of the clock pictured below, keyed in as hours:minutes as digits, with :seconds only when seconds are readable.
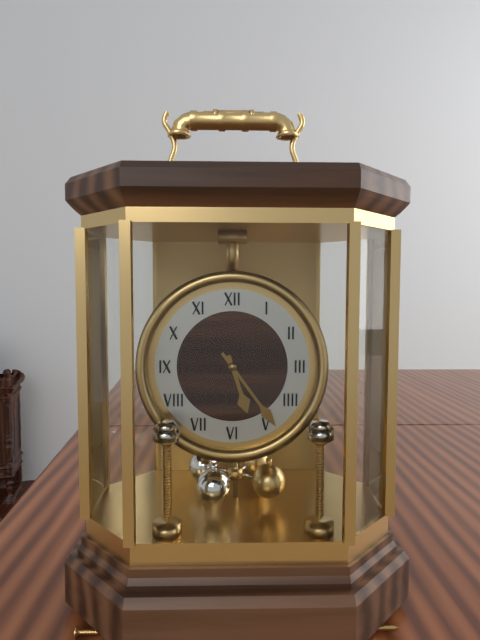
5:24
